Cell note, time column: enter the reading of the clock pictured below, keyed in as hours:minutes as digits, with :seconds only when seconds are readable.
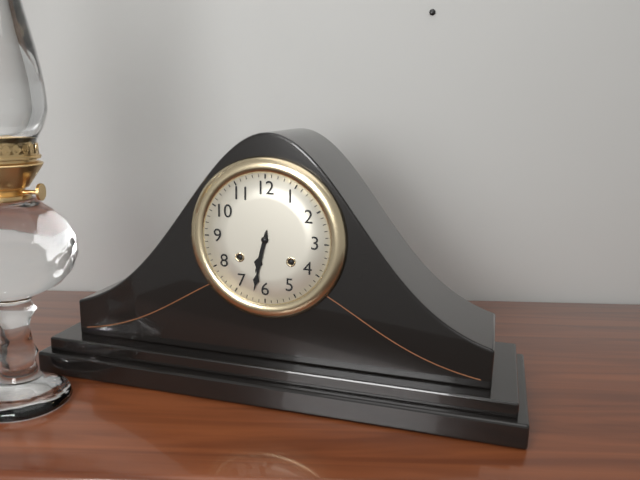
6:32
